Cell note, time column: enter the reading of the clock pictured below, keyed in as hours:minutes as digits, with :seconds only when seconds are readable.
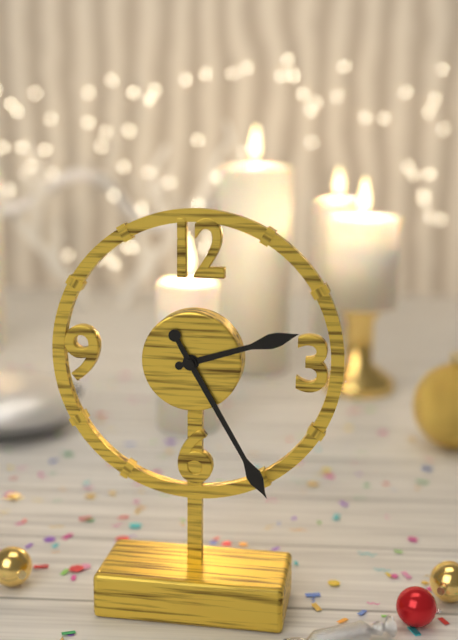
2:25
